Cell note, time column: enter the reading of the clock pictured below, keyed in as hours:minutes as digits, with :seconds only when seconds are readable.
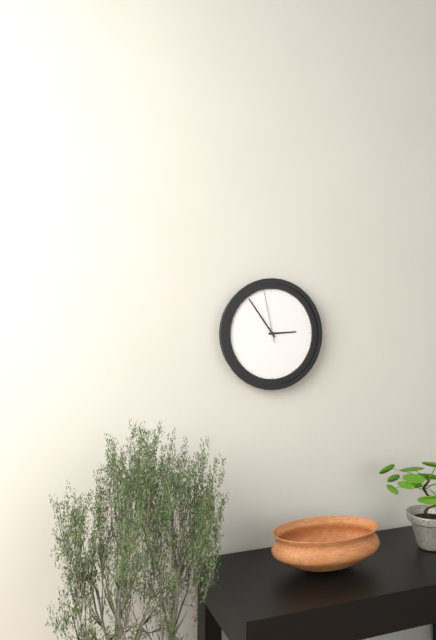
2:54:58
